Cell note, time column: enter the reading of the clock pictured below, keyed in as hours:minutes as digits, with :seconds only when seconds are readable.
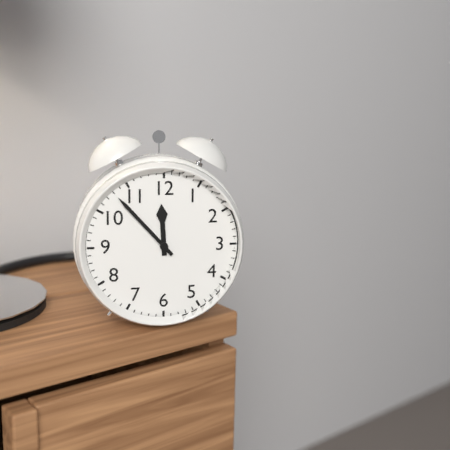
11:53
